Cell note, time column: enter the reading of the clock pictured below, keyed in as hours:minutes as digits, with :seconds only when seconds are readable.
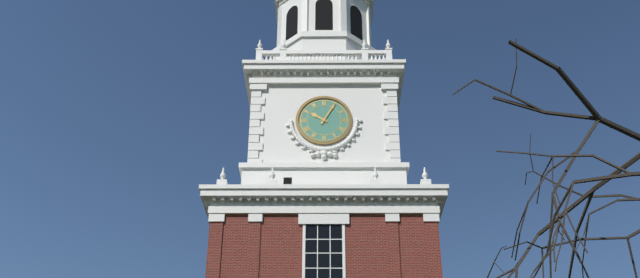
10:05
